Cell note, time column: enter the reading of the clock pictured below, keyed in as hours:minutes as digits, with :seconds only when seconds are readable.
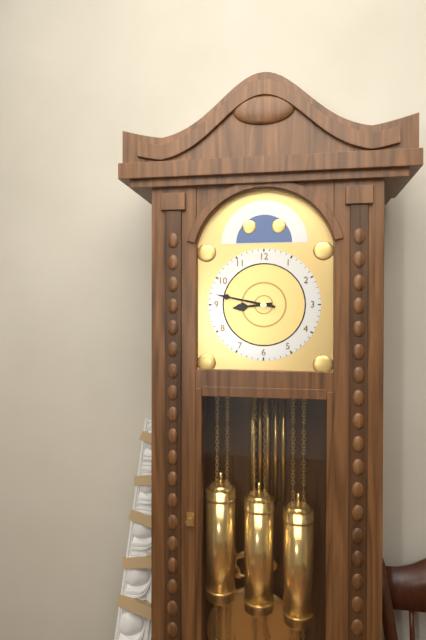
8:47
